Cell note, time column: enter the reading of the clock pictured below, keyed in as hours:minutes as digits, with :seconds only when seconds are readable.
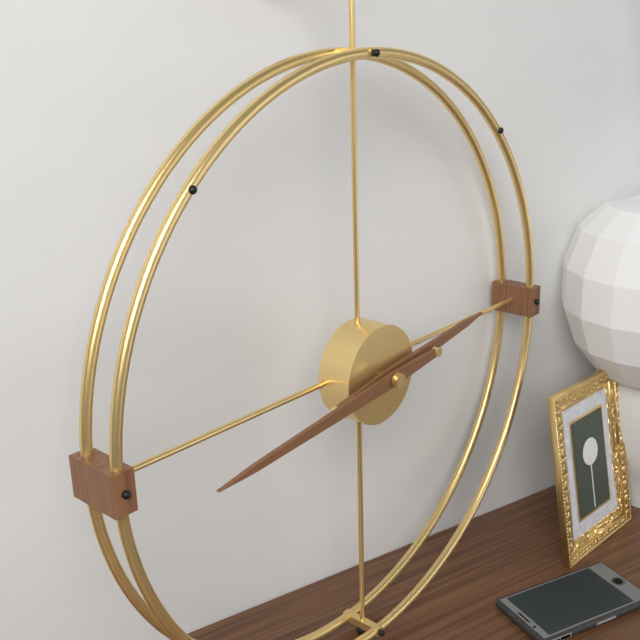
2:44
